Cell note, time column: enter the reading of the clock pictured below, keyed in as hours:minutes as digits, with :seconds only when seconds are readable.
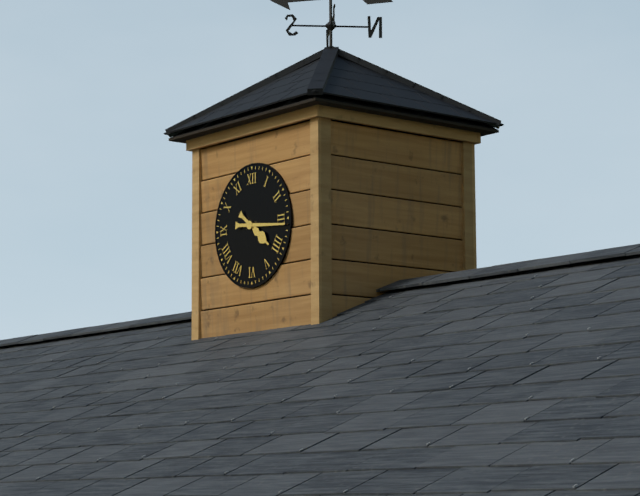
4:16
